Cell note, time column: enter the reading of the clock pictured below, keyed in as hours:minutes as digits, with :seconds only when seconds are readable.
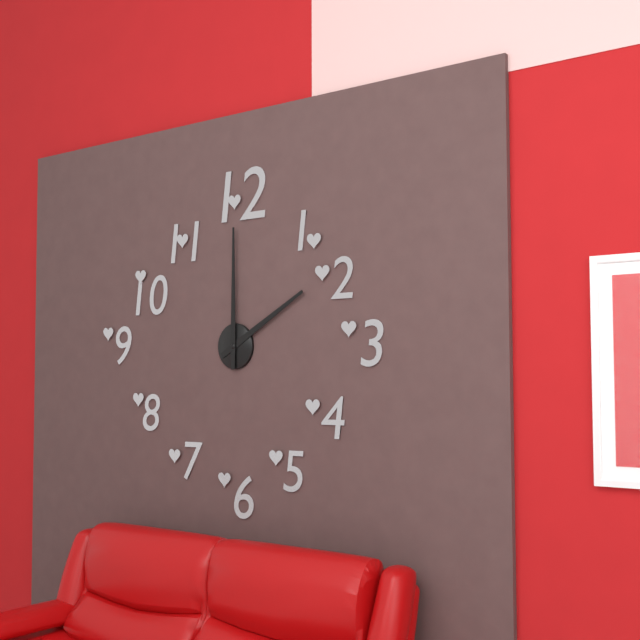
2:00
